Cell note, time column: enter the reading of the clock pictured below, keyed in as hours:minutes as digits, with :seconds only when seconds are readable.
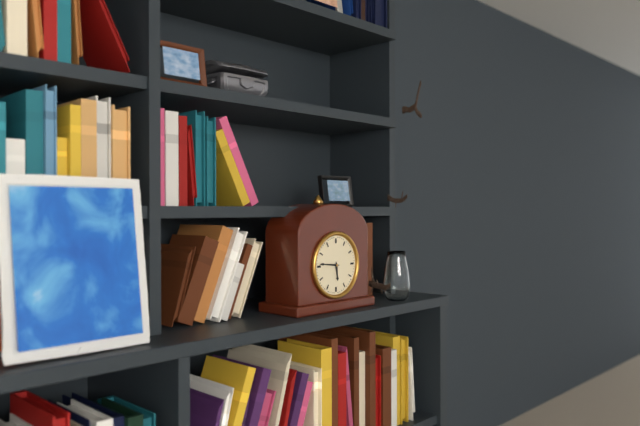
5:46
